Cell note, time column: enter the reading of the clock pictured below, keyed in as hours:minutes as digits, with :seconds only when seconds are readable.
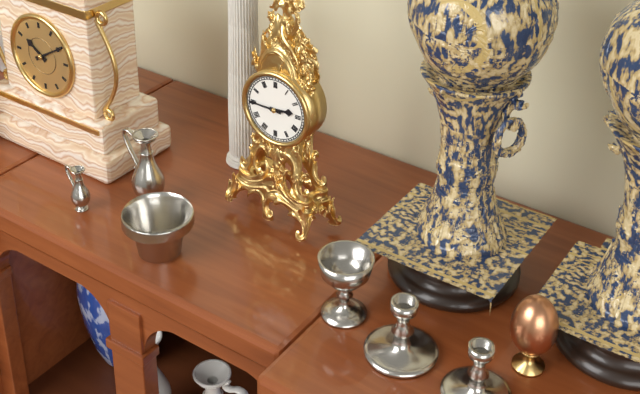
2:45
